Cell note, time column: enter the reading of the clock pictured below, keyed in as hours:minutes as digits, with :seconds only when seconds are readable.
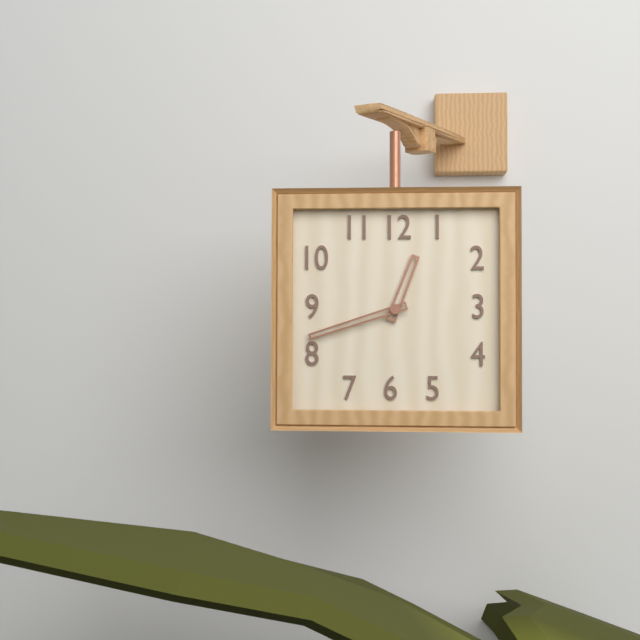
12:42
